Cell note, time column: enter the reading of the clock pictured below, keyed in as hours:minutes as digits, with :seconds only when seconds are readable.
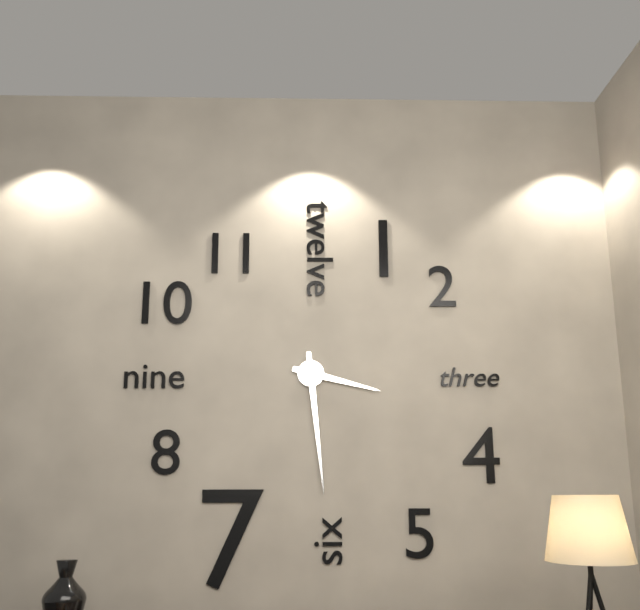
3:29
